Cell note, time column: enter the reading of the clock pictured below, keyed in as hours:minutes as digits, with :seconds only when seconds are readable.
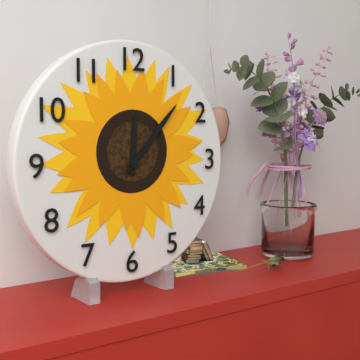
12:07
